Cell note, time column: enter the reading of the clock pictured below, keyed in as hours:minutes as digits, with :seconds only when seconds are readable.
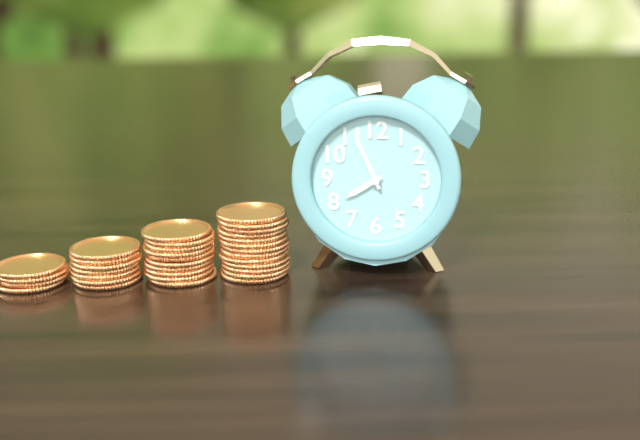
7:56
